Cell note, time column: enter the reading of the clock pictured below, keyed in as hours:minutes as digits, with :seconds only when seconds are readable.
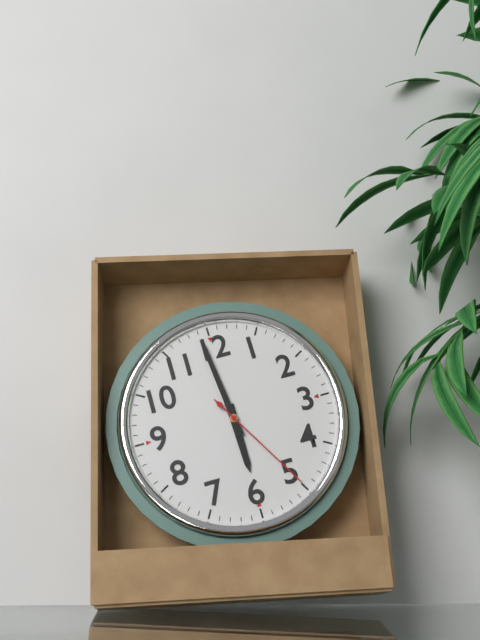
5:59:25
